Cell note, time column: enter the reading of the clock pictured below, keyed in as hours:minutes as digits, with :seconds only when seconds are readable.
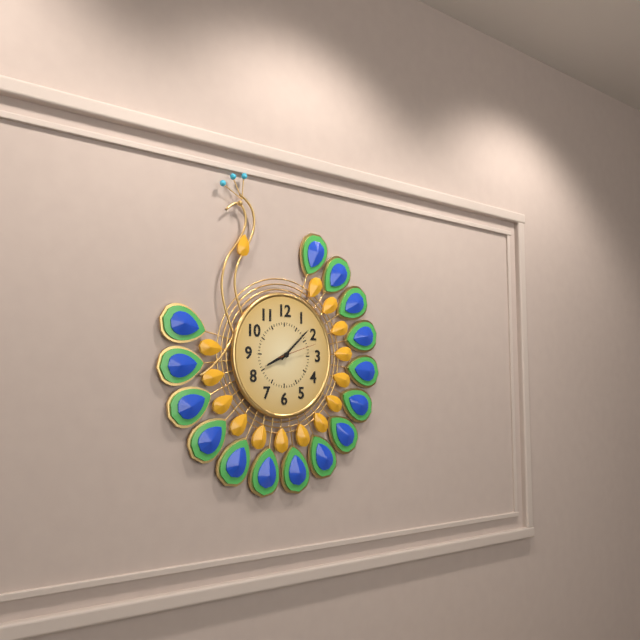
8:08
